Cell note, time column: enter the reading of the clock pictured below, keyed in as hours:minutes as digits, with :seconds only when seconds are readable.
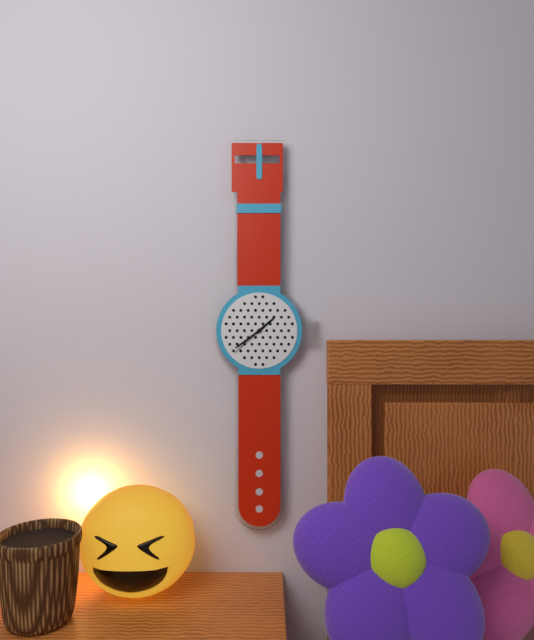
1:39
